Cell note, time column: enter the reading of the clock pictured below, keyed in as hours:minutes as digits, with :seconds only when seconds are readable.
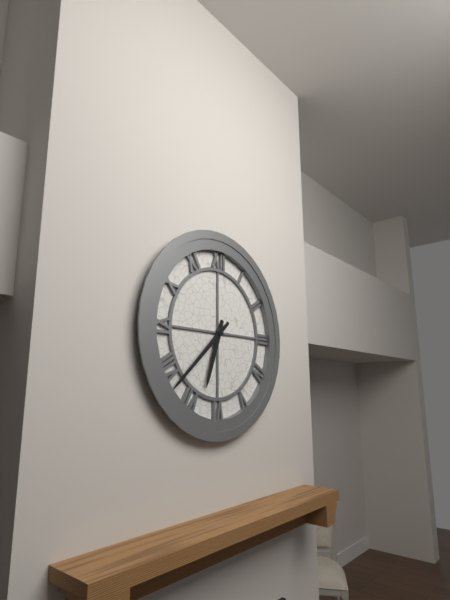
6:38
